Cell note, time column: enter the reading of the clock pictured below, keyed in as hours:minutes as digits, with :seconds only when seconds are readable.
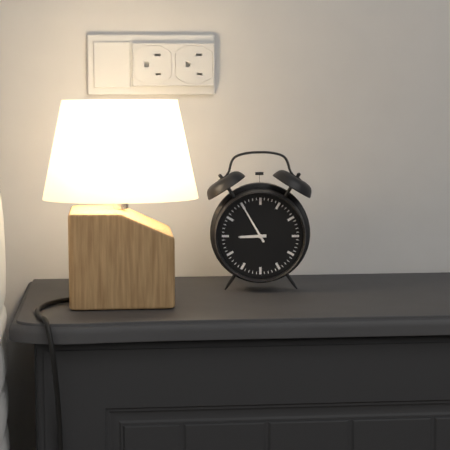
8:55
